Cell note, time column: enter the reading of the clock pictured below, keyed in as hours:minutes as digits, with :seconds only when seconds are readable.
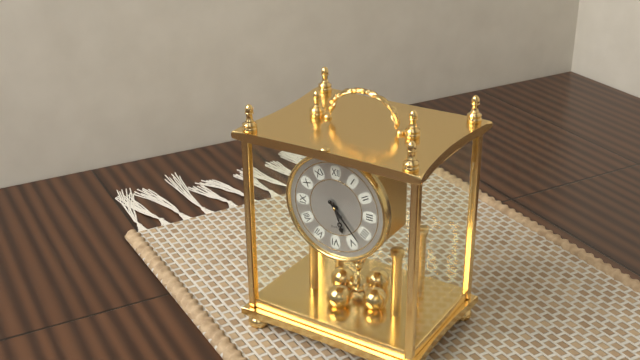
5:23
